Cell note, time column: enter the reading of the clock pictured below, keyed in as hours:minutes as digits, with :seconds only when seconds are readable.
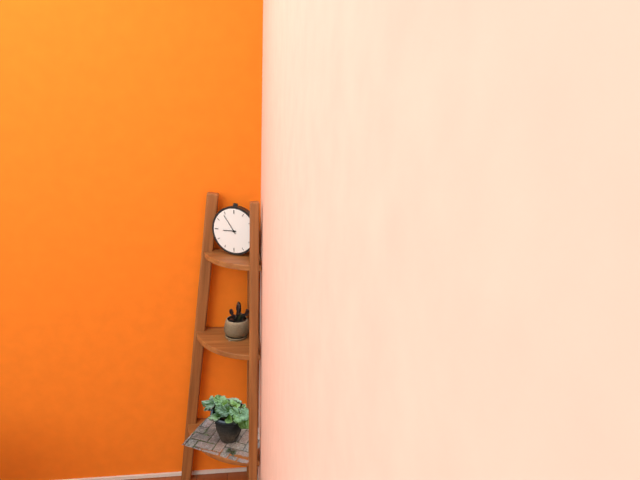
8:54
